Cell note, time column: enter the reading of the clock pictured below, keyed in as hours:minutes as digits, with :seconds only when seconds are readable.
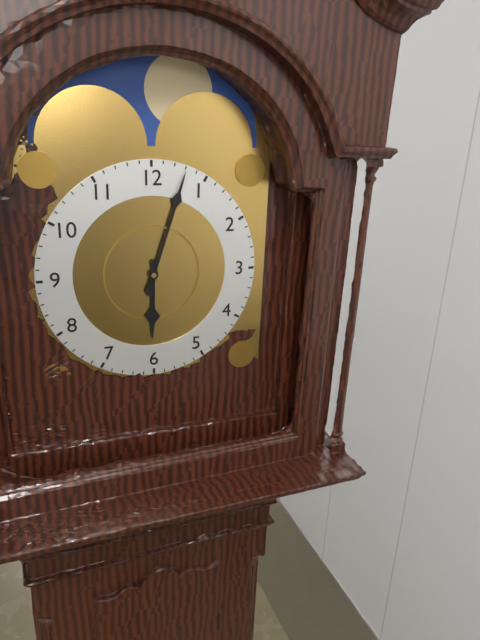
6:03
